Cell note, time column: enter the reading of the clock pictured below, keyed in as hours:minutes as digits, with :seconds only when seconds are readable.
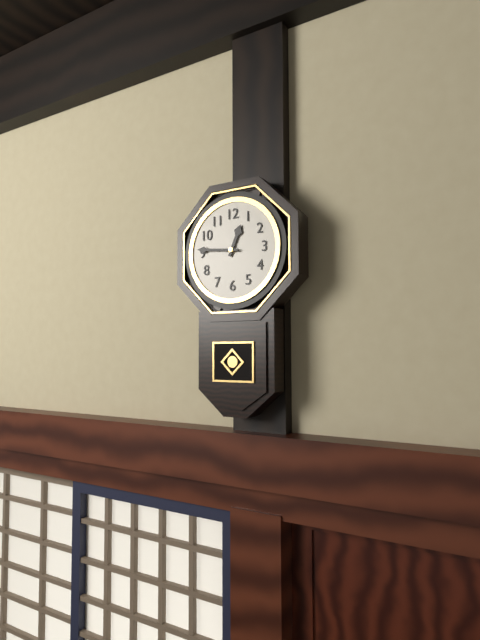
12:46
